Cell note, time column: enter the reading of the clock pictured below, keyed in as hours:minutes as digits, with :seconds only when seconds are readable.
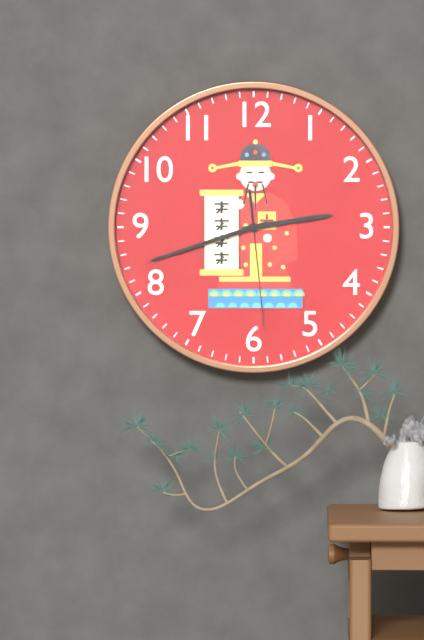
2:42:29
